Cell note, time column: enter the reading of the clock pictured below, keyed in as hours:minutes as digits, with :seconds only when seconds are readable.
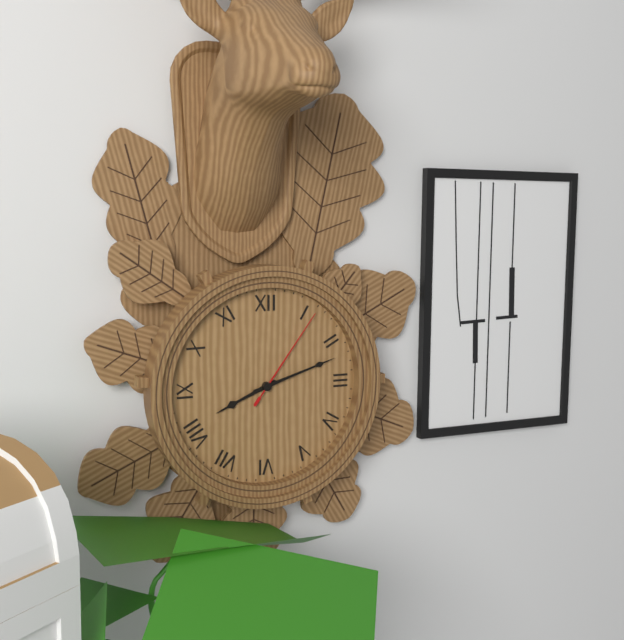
8:12:06
